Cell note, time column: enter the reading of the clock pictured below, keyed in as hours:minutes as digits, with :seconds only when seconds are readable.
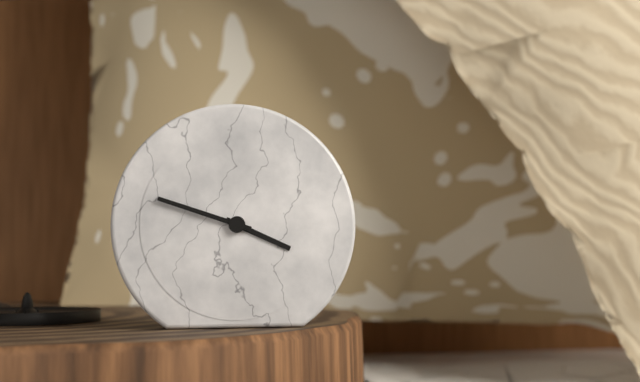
3:48
